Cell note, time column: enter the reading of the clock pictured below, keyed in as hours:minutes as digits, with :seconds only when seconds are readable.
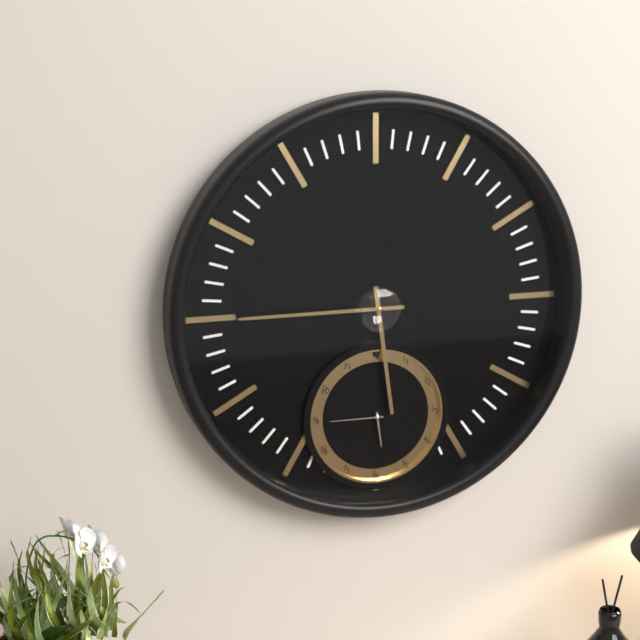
5:45
